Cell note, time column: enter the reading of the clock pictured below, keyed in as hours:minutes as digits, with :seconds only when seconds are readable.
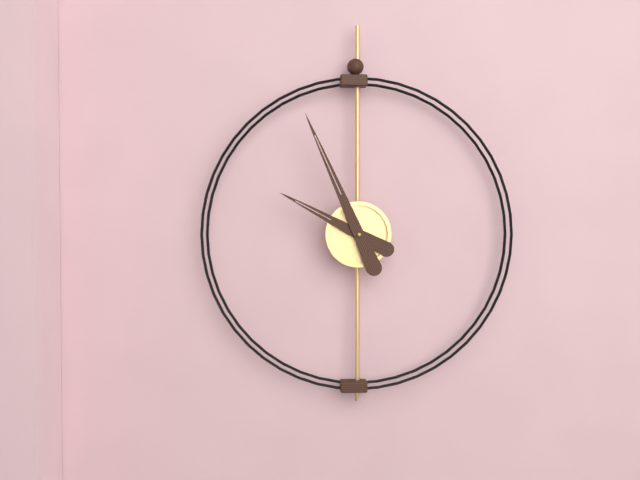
9:56
